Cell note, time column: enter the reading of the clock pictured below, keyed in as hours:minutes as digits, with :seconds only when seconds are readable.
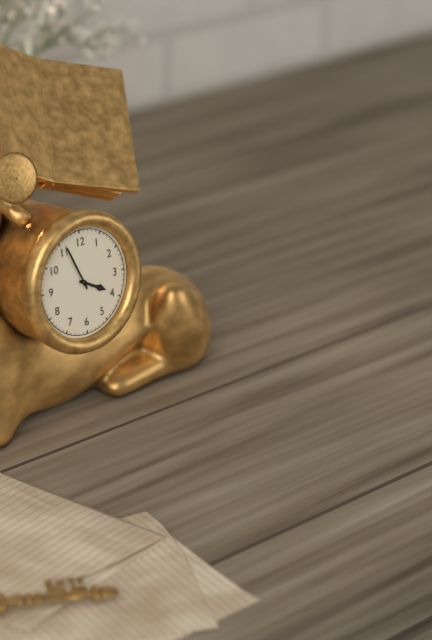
3:56
